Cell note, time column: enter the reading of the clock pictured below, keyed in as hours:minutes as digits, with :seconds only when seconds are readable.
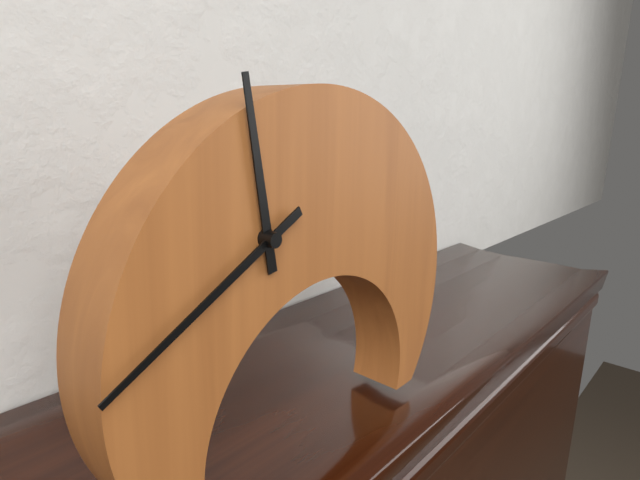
11:40
